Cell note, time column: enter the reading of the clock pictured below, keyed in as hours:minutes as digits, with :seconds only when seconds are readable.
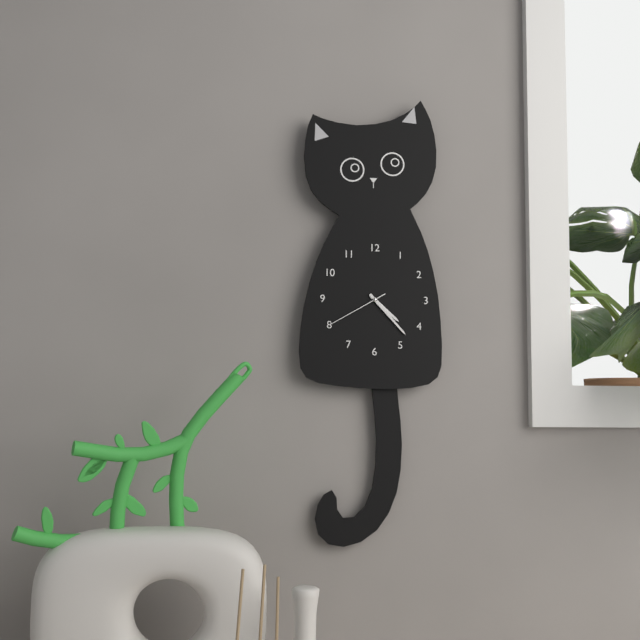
4:23:40
